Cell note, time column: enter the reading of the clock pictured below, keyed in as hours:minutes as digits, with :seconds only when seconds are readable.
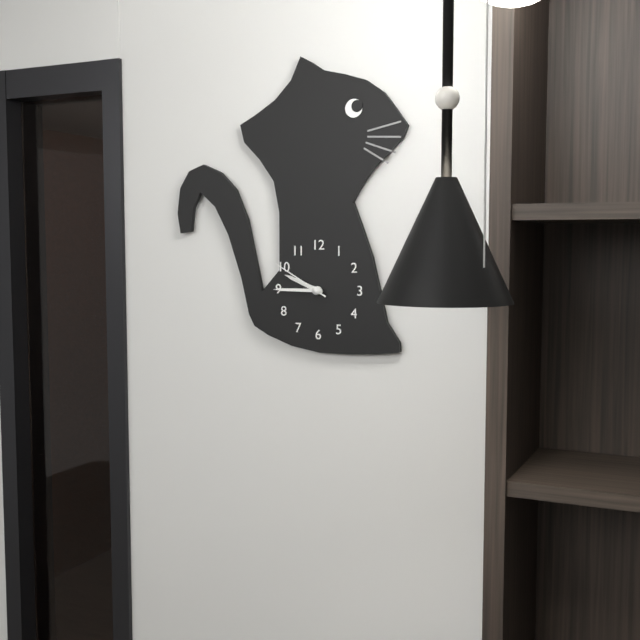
9:45:50
